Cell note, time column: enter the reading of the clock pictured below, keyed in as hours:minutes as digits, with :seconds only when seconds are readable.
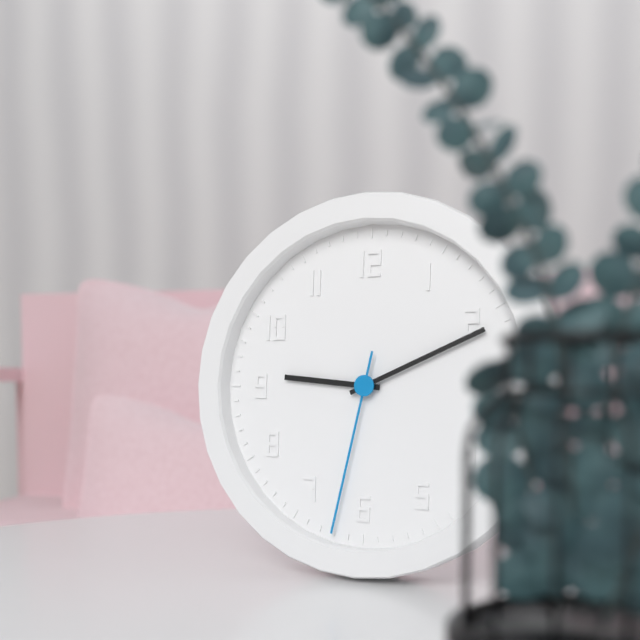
9:11:32
